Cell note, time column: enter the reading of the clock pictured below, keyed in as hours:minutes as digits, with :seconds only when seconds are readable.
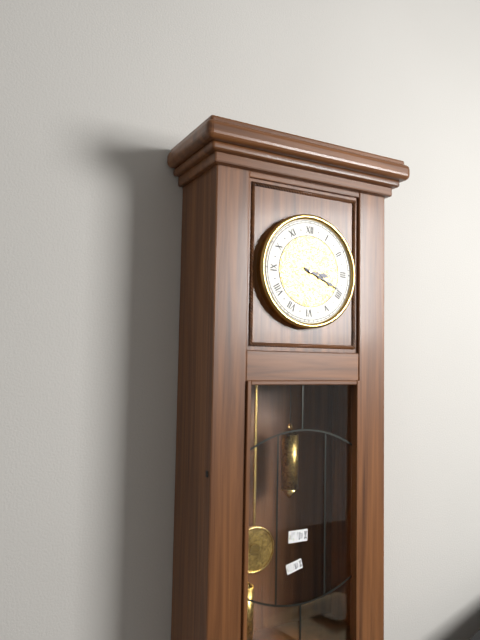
3:19
